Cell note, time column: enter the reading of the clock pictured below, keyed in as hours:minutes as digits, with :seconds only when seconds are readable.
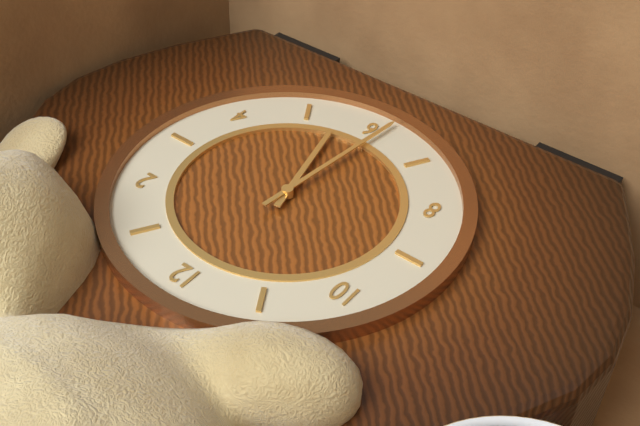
5:31
